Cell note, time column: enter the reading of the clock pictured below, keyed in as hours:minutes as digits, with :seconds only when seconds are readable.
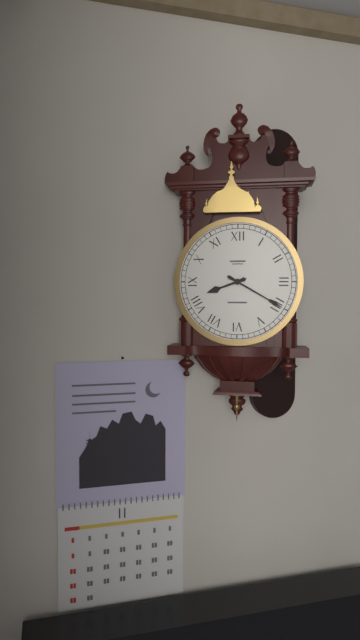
8:20
